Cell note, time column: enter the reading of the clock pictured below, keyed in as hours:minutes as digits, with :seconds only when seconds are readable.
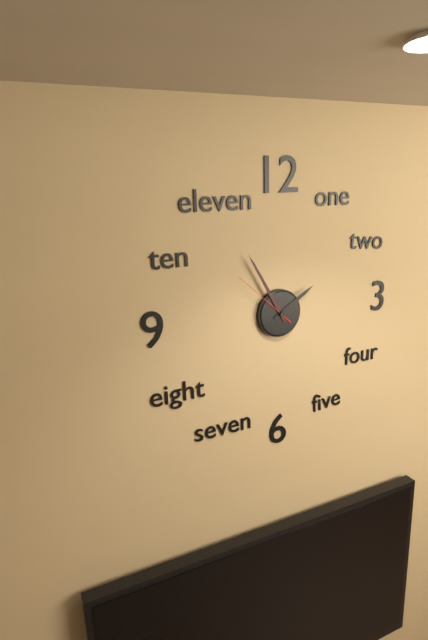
1:55:52
